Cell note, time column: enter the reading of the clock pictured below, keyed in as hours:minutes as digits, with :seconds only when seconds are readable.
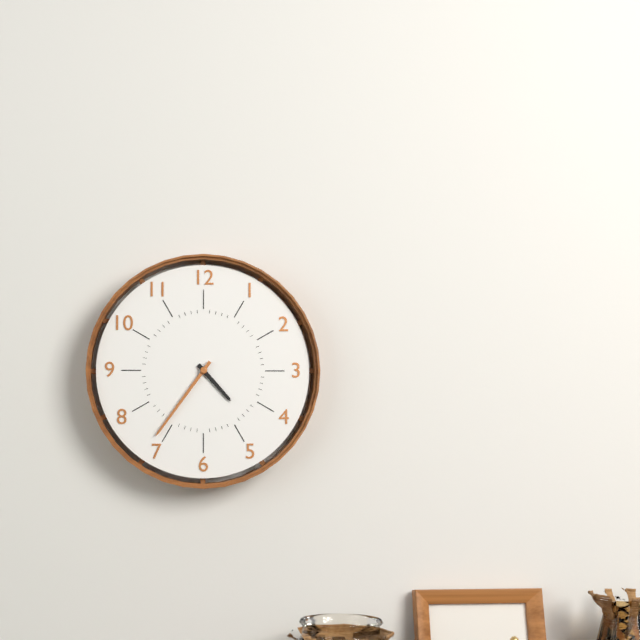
4:36
